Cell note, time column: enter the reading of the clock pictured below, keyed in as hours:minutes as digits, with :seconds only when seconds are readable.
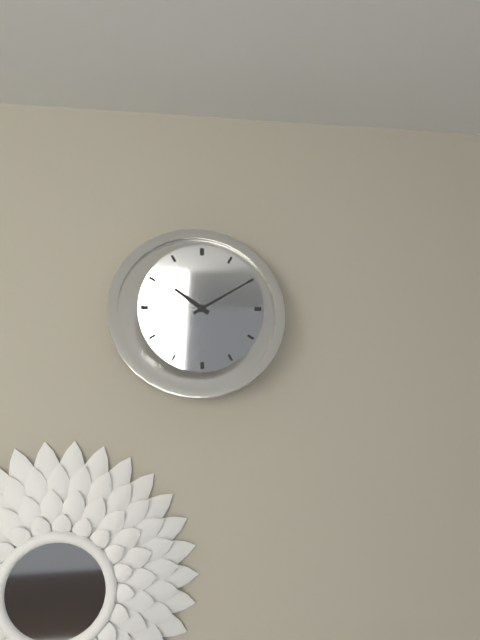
10:10
